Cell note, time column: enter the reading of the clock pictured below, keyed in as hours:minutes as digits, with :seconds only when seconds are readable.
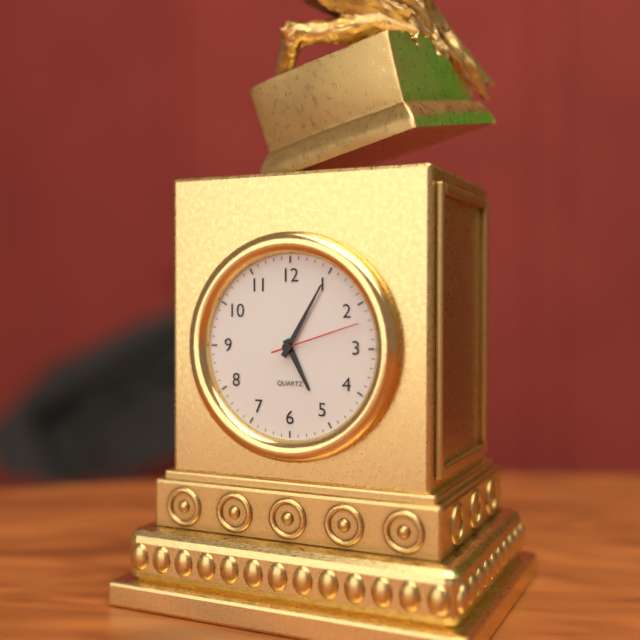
5:05:12
